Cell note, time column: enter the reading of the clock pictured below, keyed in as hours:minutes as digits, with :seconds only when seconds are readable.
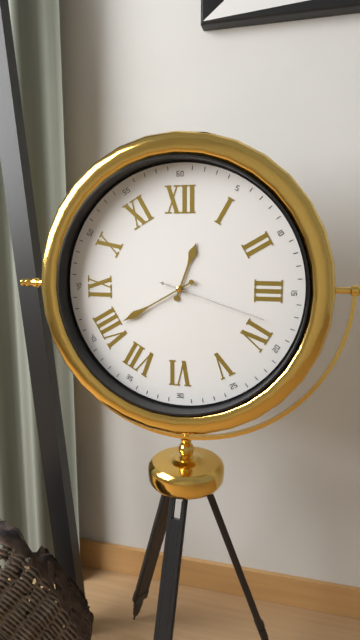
12:40:18
